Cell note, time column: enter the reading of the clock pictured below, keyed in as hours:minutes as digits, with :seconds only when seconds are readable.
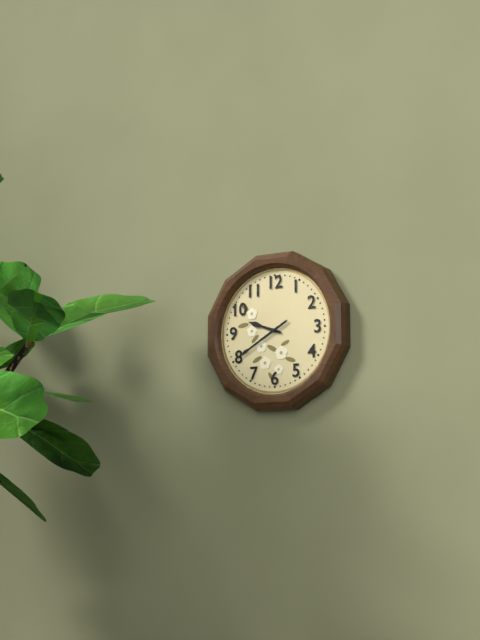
9:40
